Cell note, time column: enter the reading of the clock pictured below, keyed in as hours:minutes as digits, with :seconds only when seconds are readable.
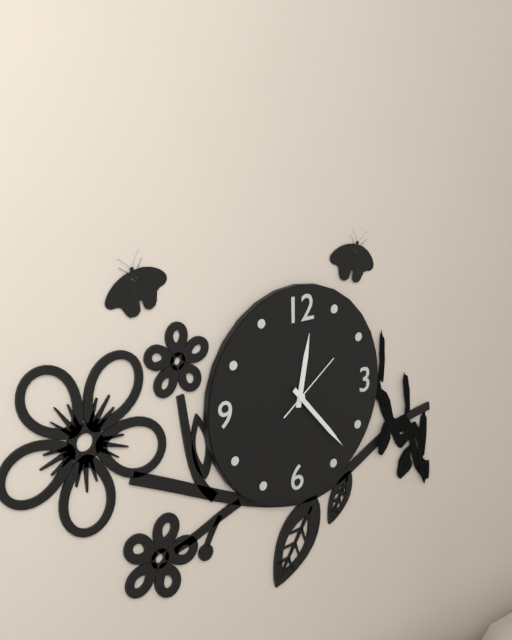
12:23:09
